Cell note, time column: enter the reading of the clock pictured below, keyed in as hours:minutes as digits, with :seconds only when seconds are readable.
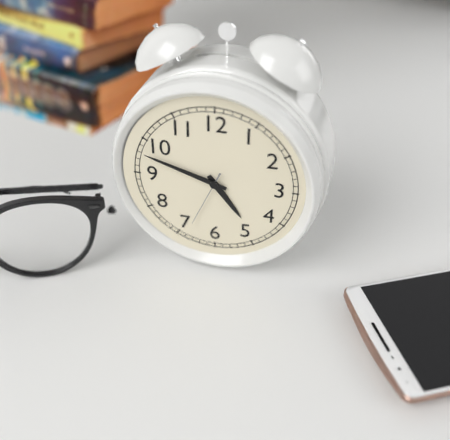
4:48:34
